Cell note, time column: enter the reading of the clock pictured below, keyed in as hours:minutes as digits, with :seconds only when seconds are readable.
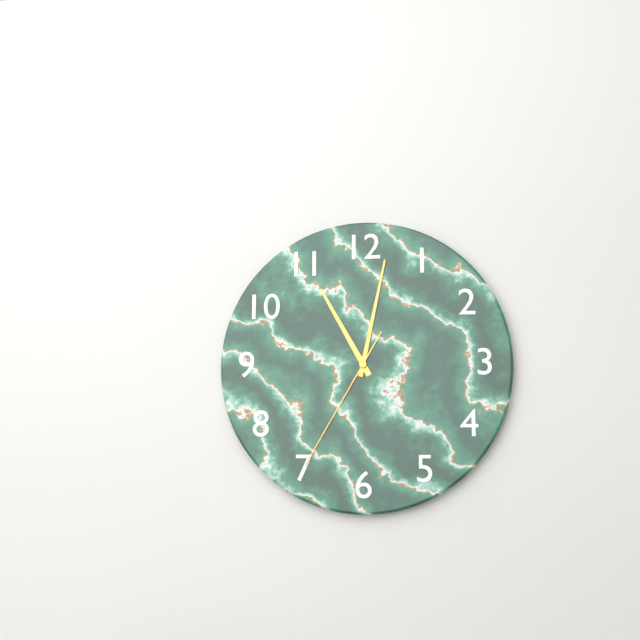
11:02:35
